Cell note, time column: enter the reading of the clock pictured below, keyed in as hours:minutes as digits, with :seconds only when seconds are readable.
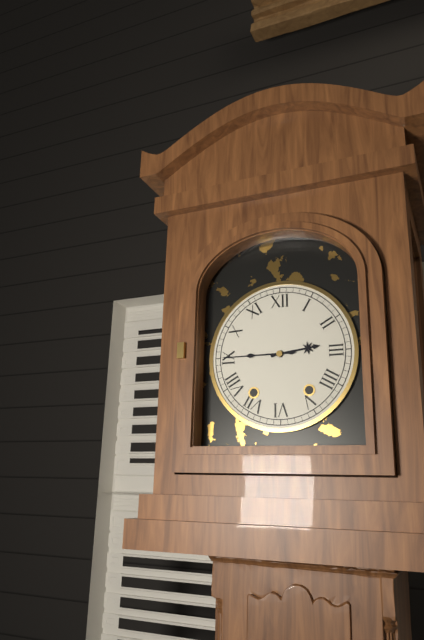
2:45
